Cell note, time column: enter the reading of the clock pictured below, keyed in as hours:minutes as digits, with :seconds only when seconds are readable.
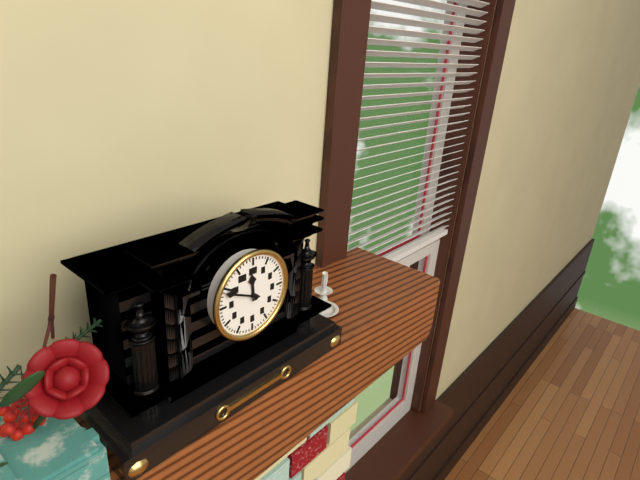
11:49
